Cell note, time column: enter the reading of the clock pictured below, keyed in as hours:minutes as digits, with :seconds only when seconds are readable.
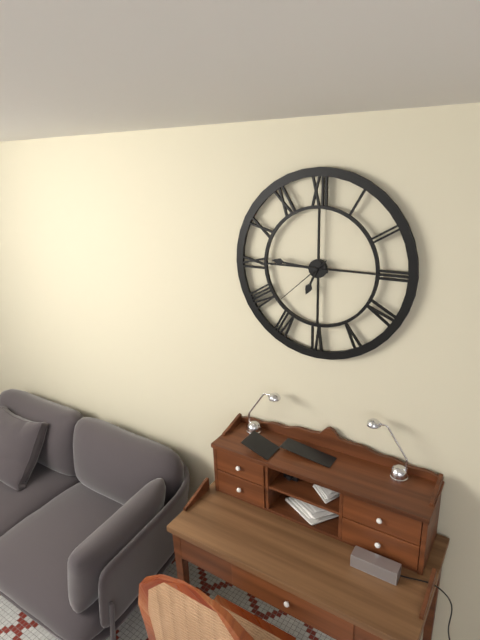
6:46:38
